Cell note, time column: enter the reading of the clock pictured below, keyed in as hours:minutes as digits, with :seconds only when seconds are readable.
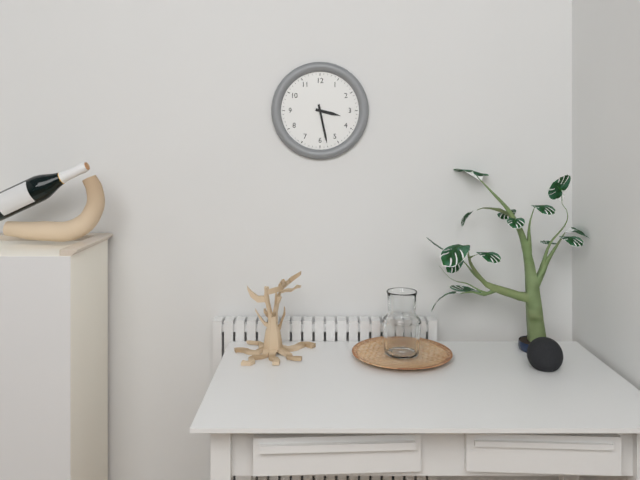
3:28
